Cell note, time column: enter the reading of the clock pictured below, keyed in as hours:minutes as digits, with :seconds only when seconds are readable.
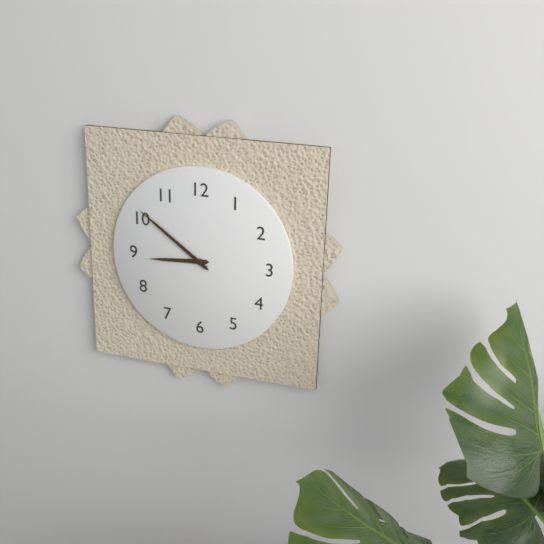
8:51
